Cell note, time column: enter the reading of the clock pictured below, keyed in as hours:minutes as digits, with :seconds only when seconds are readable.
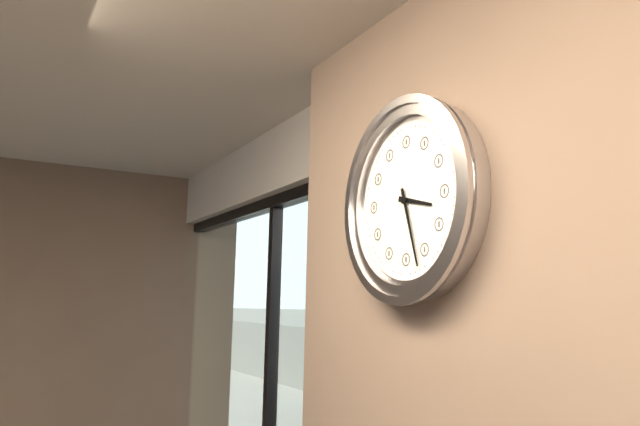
3:27
